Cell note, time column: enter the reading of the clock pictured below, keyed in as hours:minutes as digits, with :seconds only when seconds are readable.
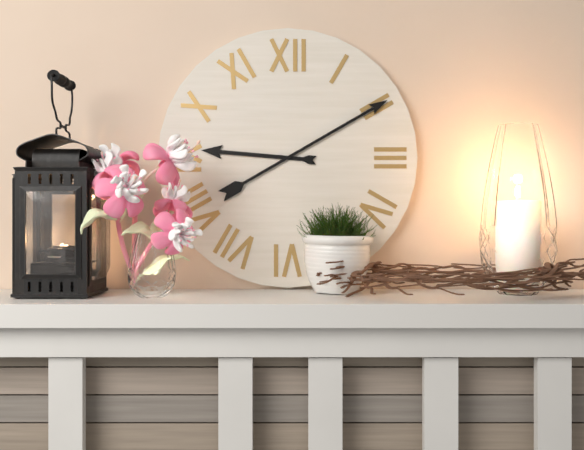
9:10
